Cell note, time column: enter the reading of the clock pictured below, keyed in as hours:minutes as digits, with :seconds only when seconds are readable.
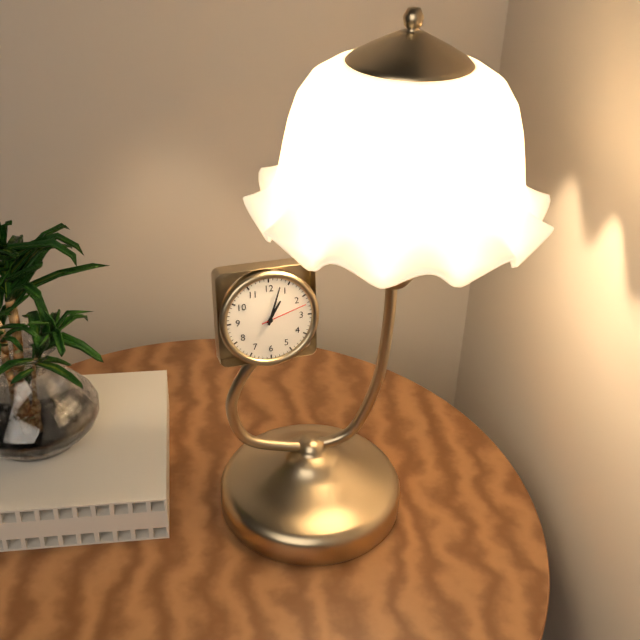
1:03
